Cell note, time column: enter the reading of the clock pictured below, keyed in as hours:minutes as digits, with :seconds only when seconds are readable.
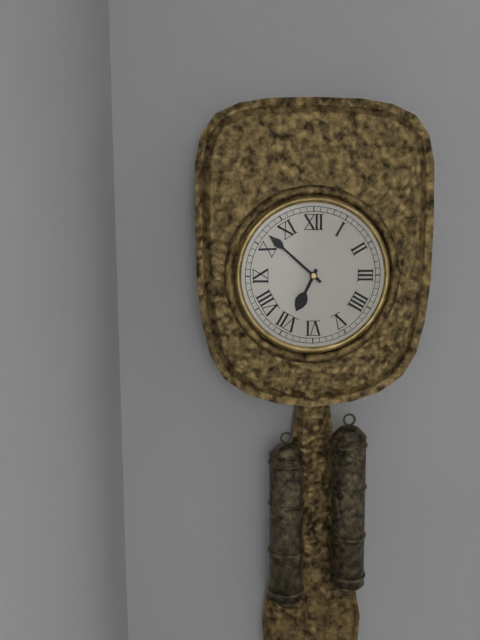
6:52
